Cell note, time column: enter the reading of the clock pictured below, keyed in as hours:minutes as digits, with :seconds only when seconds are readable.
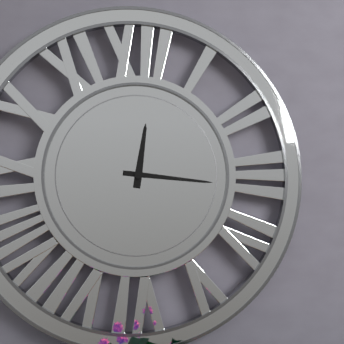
12:16
